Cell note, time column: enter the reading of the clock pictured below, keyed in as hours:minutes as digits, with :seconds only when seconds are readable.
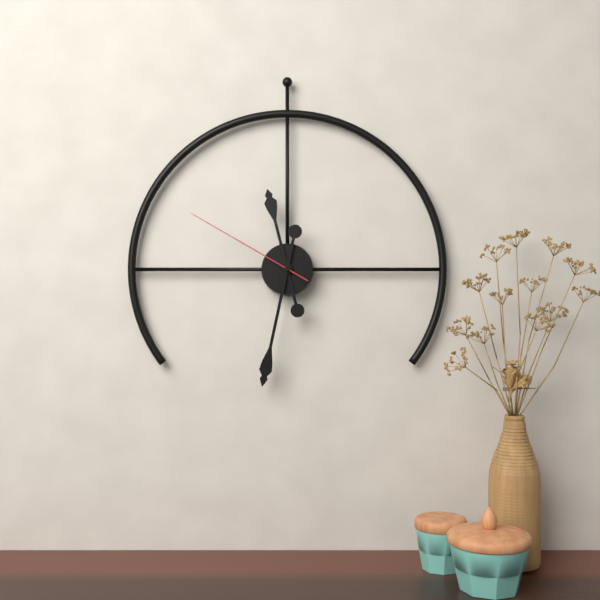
11:32:50
